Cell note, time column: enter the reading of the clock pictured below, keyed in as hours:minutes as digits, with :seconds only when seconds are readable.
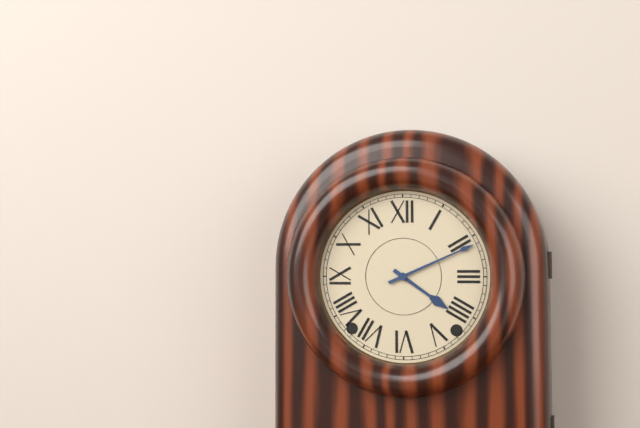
4:11
